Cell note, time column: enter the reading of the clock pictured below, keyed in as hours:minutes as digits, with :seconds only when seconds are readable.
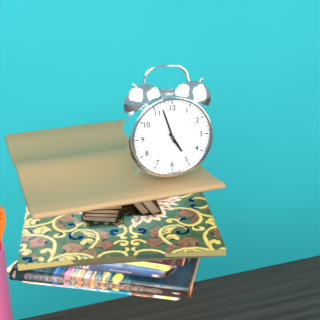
4:57
